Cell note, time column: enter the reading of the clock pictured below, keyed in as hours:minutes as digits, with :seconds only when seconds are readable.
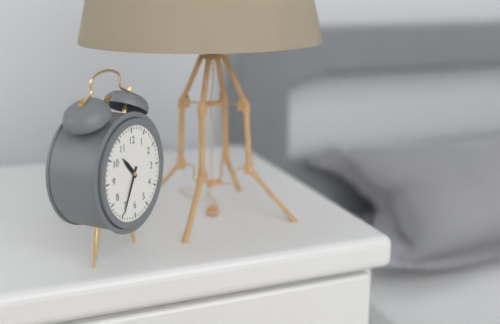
10:35
